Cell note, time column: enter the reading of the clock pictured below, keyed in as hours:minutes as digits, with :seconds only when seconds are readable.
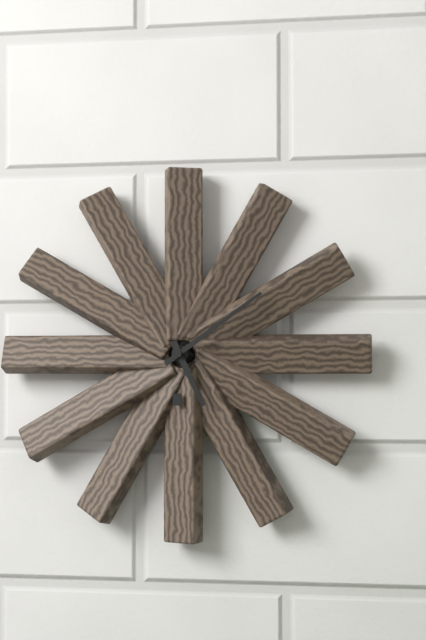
5:09
